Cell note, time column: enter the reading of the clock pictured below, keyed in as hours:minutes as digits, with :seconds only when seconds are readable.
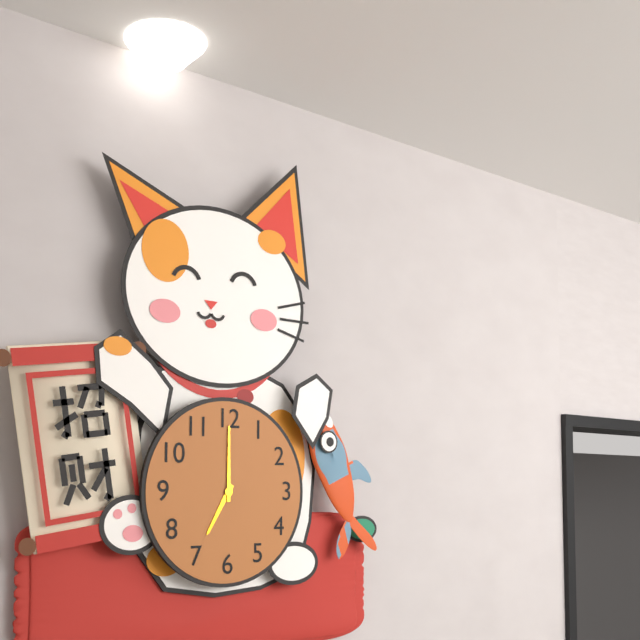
7:00
